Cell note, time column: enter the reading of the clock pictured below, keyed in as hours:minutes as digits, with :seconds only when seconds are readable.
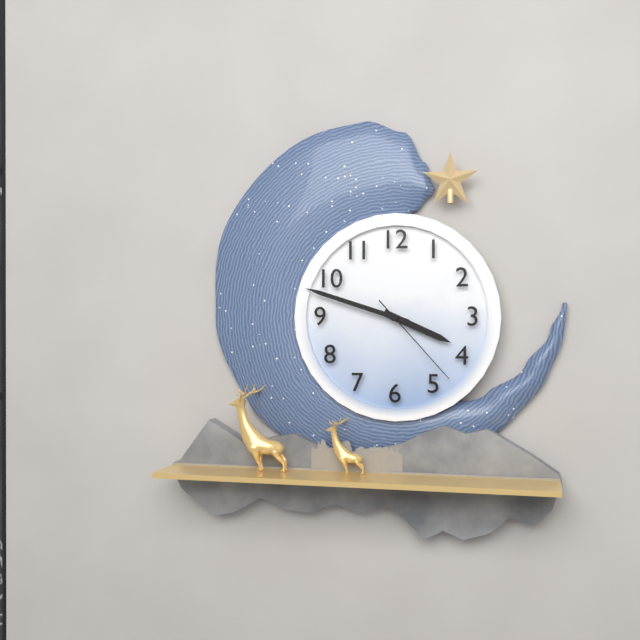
3:48:23
